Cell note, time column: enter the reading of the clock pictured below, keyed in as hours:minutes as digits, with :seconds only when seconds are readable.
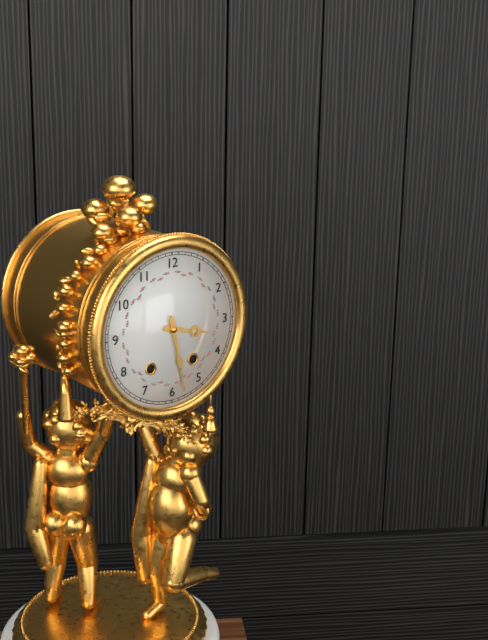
3:28
